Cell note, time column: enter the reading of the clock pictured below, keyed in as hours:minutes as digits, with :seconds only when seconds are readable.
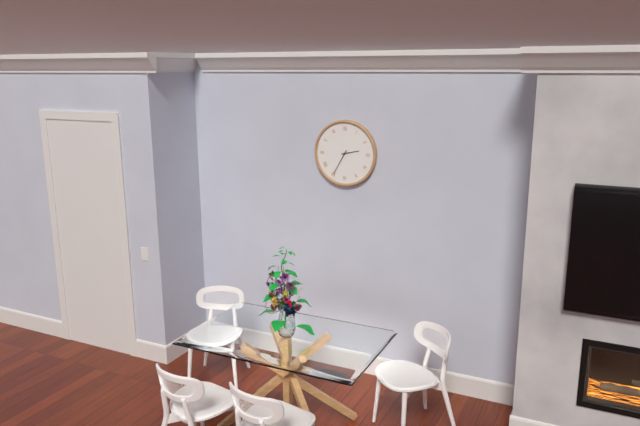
2:35
